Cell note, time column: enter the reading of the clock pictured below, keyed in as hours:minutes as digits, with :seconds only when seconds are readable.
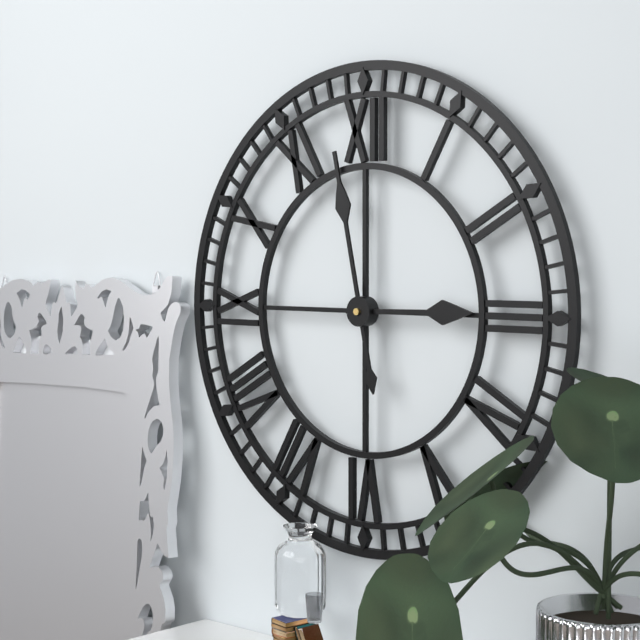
2:58
